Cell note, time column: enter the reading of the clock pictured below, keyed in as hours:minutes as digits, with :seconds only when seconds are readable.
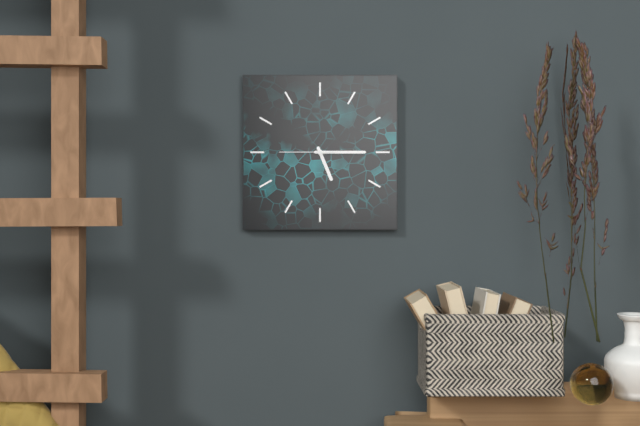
5:15:45
